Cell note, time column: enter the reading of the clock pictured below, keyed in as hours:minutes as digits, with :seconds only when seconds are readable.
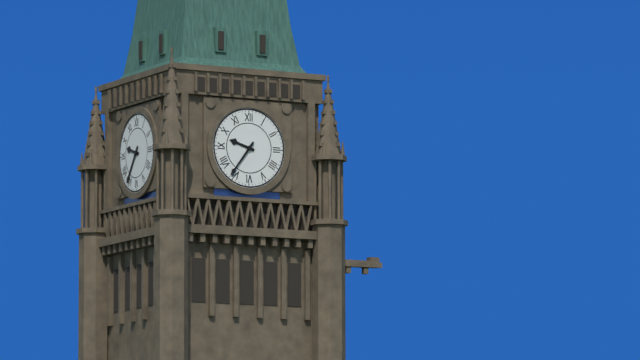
9:36
